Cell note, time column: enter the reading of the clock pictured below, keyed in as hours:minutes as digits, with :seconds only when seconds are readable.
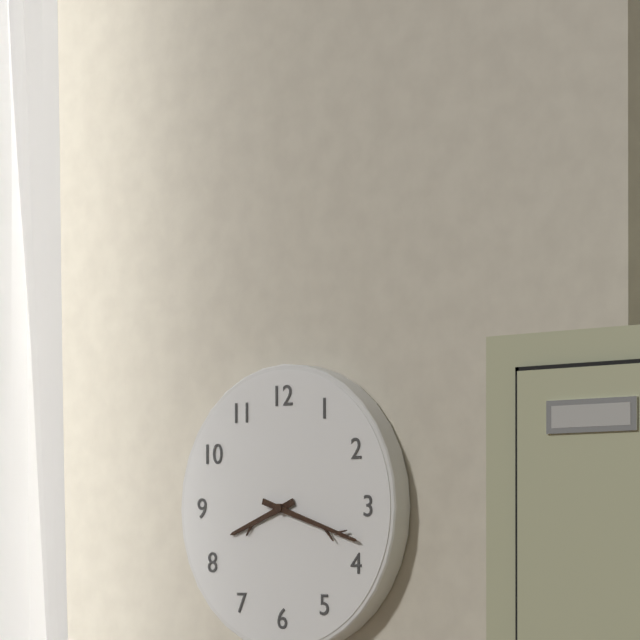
8:18
